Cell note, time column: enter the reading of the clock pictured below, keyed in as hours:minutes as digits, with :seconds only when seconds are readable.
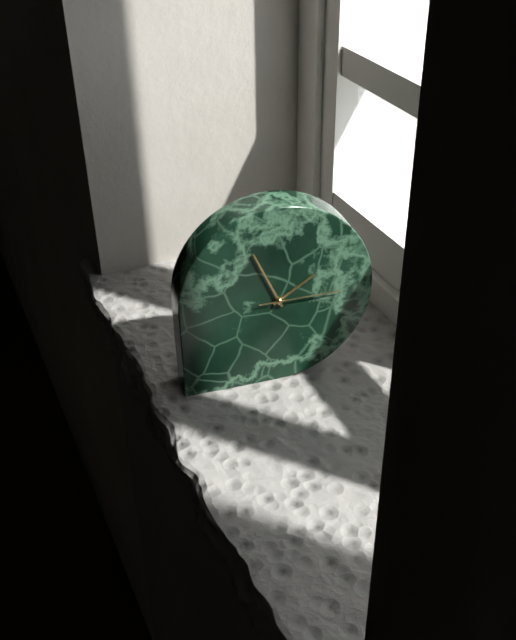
1:56:15
